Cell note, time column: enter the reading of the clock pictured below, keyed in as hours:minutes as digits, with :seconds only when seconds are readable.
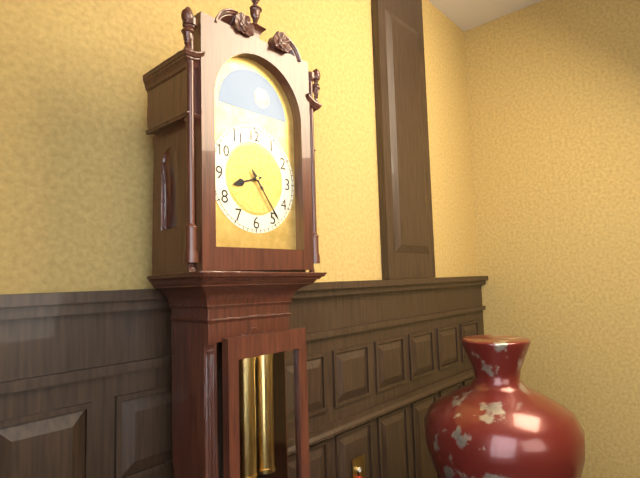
8:24
